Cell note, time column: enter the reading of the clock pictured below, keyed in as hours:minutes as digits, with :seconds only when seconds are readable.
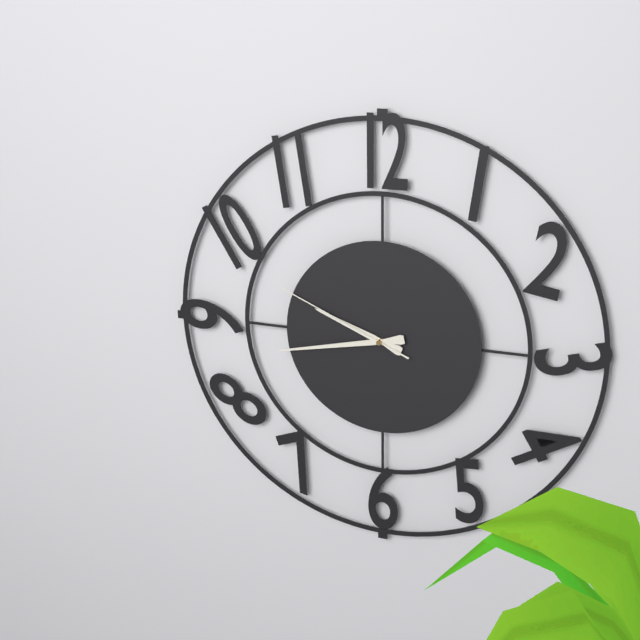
9:43:49
